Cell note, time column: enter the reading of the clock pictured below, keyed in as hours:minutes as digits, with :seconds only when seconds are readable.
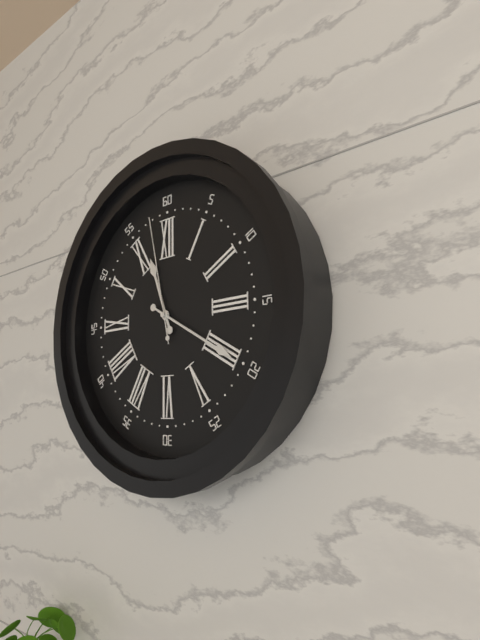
11:20:58
